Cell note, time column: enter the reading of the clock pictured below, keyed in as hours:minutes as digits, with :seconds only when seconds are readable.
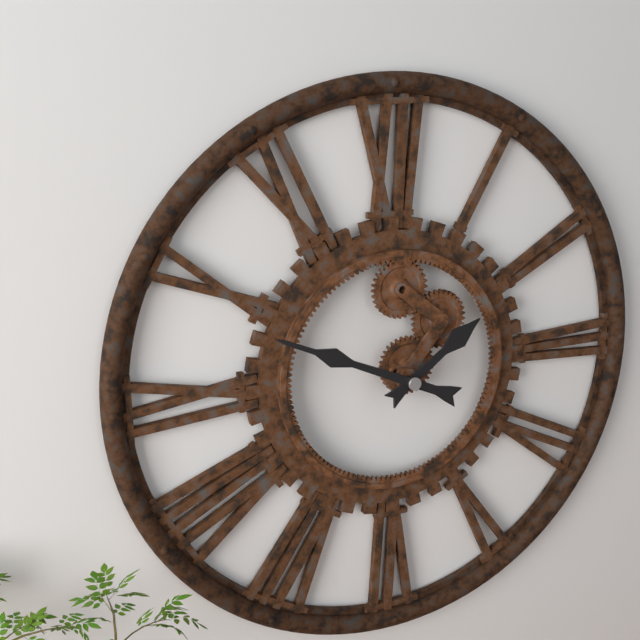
1:49
